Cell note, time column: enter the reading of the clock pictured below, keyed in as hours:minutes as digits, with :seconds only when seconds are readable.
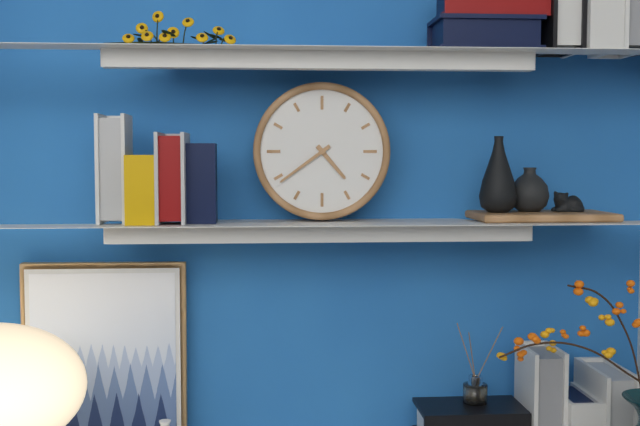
4:39
